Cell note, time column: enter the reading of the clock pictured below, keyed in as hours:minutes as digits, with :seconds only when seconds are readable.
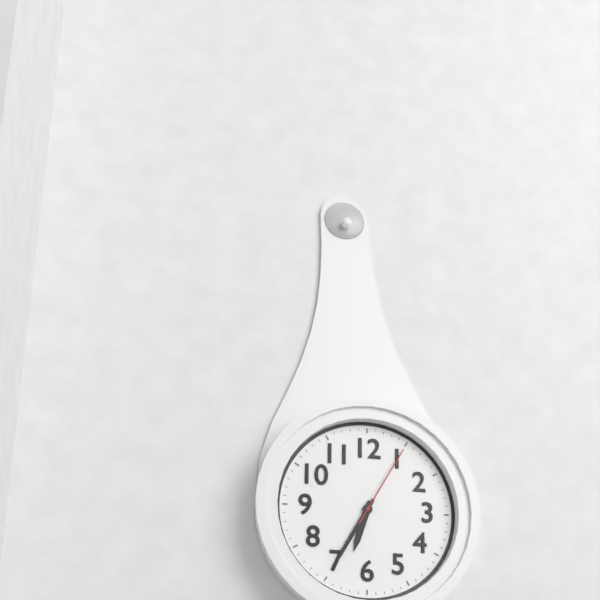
6:35:05
